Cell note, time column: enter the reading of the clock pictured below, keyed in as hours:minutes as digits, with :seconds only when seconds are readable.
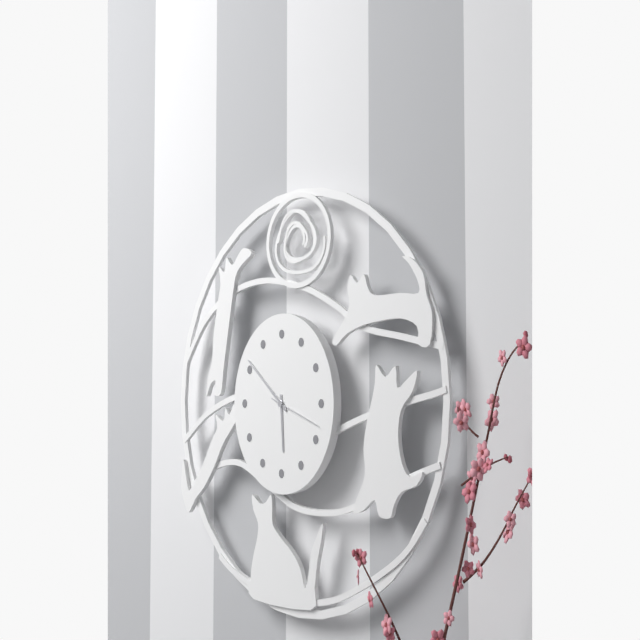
5:51:18
